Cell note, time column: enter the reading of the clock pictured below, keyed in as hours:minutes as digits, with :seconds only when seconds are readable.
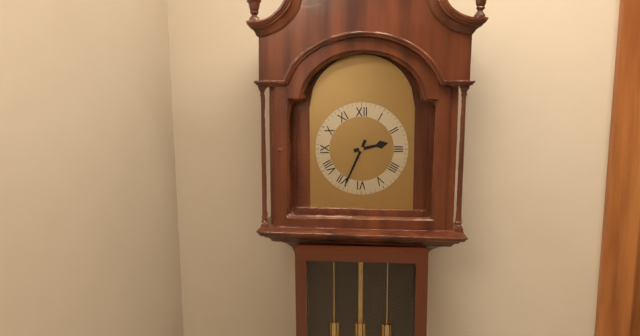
2:34
